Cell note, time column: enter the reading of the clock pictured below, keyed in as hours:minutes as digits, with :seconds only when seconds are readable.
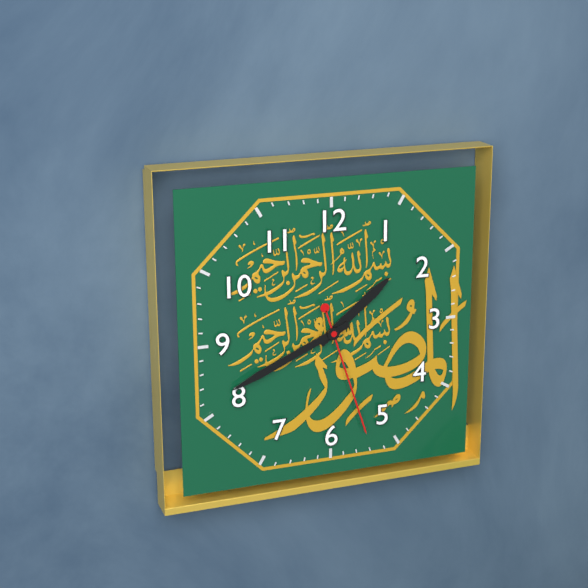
1:41:27
